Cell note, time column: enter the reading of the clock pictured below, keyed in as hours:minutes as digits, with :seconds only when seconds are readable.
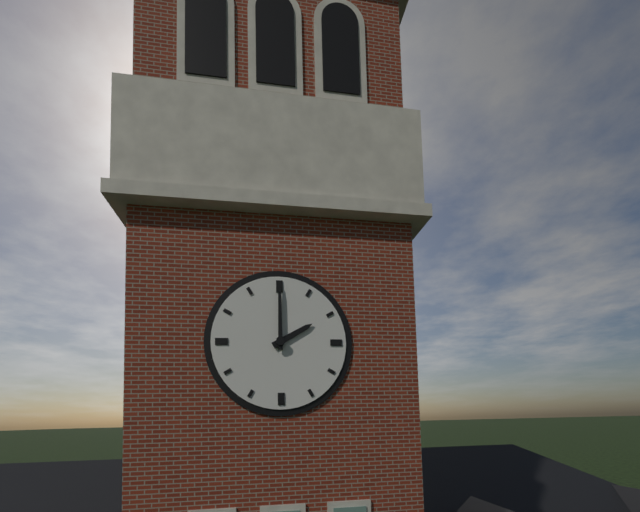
2:00
